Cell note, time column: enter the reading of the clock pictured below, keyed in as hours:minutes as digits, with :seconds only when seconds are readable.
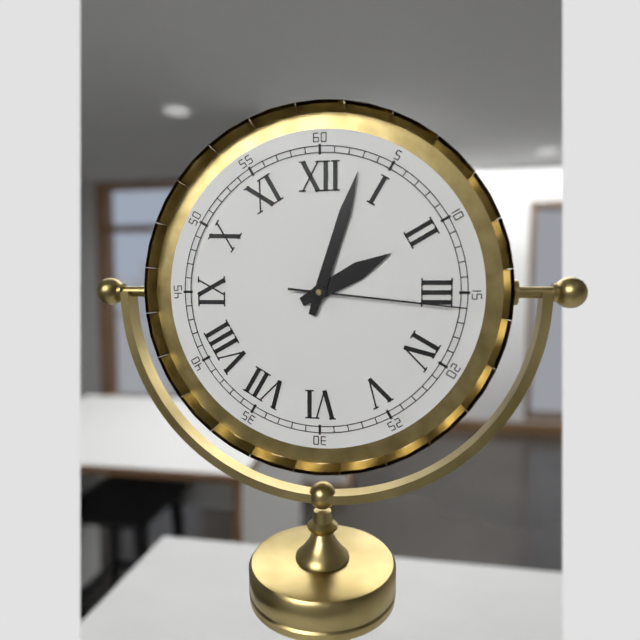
2:03:16
